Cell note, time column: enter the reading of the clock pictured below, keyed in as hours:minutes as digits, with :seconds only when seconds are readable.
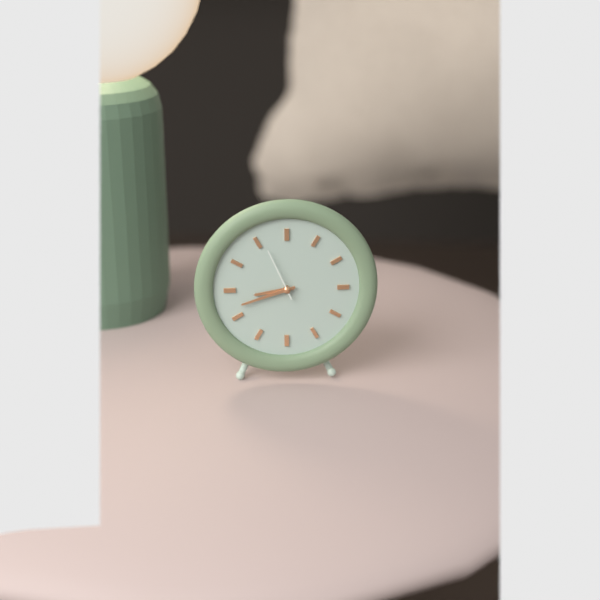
8:42:56
